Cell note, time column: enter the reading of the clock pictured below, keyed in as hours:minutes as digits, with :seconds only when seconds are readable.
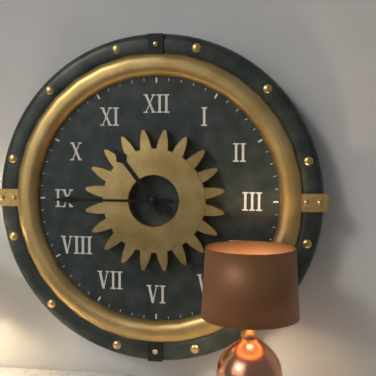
10:45
